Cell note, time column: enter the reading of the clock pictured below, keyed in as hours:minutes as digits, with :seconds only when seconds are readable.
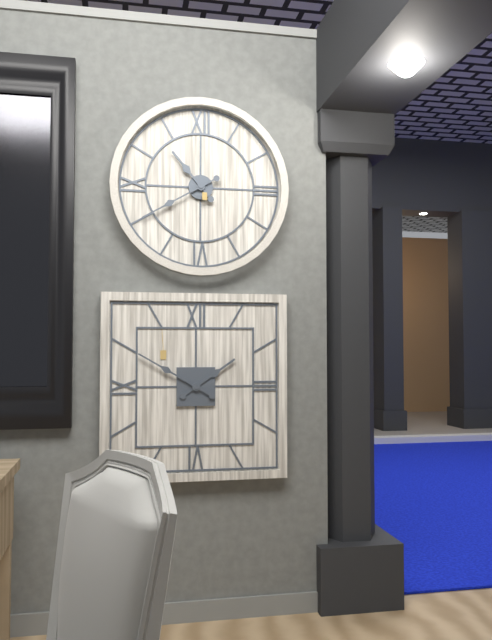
10:40
